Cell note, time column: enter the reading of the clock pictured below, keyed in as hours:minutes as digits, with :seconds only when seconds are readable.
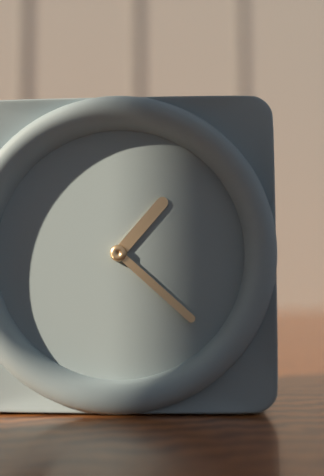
1:22
